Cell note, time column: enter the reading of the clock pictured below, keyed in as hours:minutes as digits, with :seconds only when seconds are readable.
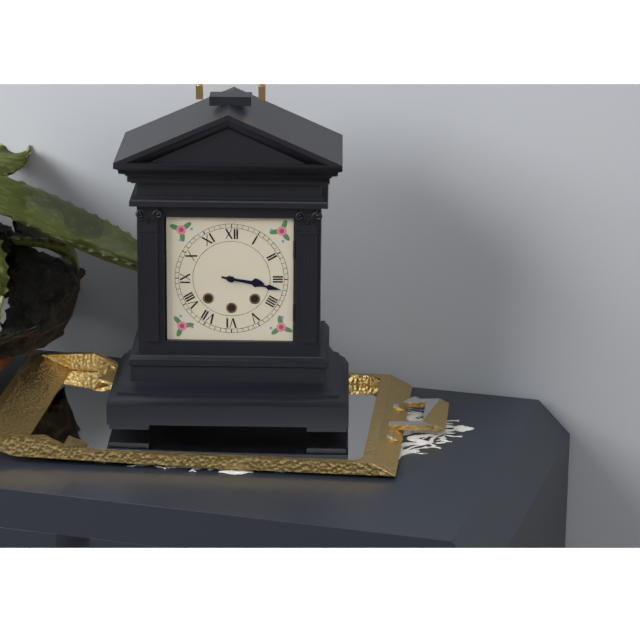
3:17
